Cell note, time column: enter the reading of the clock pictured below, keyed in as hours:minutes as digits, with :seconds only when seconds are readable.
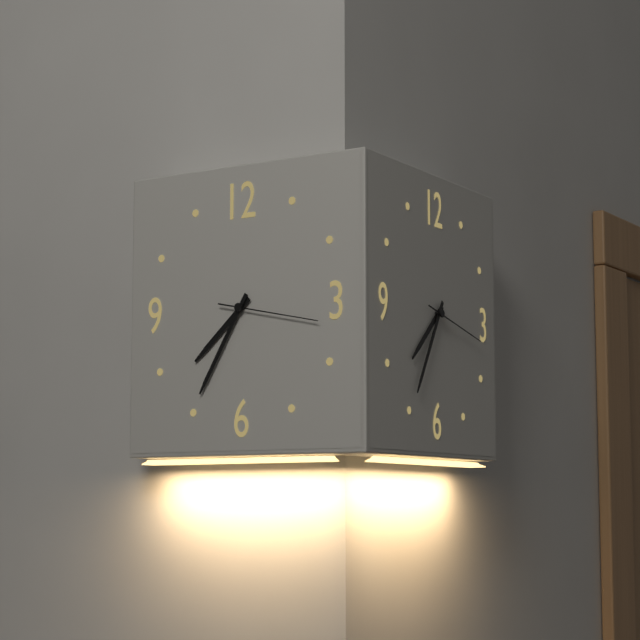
7:35:17
